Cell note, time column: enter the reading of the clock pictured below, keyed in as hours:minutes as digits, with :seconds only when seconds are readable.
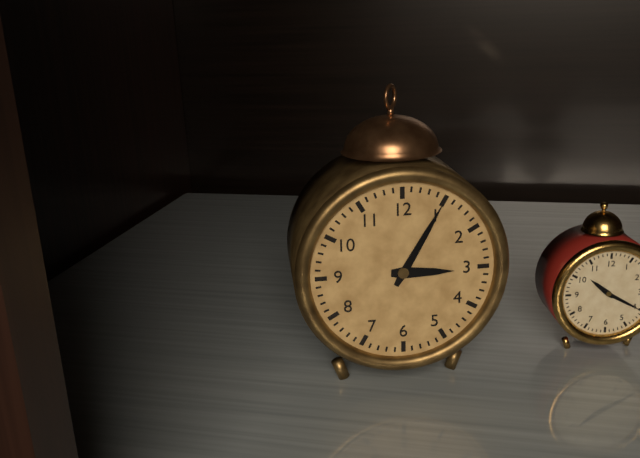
3:05
